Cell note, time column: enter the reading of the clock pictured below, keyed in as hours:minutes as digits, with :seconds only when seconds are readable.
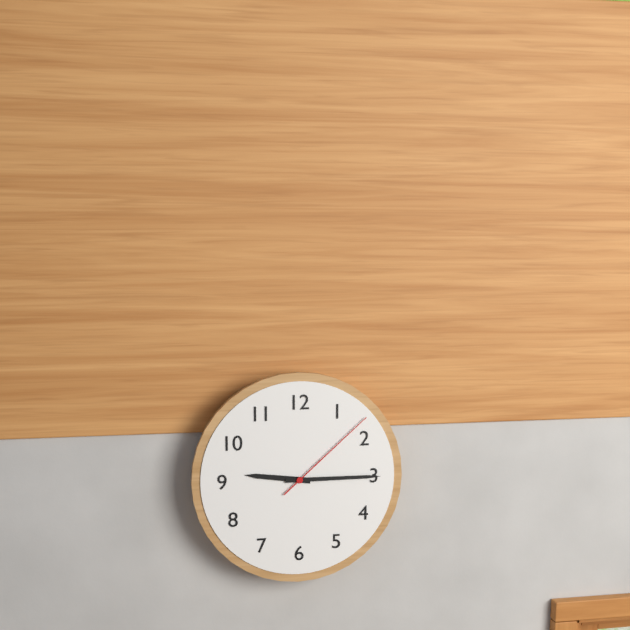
9:15:08
